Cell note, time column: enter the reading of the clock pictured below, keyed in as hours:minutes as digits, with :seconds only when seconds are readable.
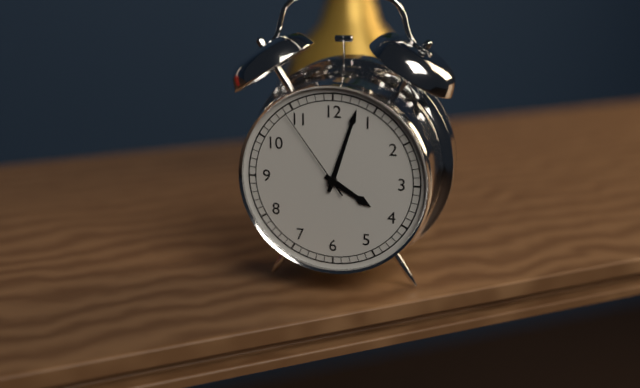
4:03:54
